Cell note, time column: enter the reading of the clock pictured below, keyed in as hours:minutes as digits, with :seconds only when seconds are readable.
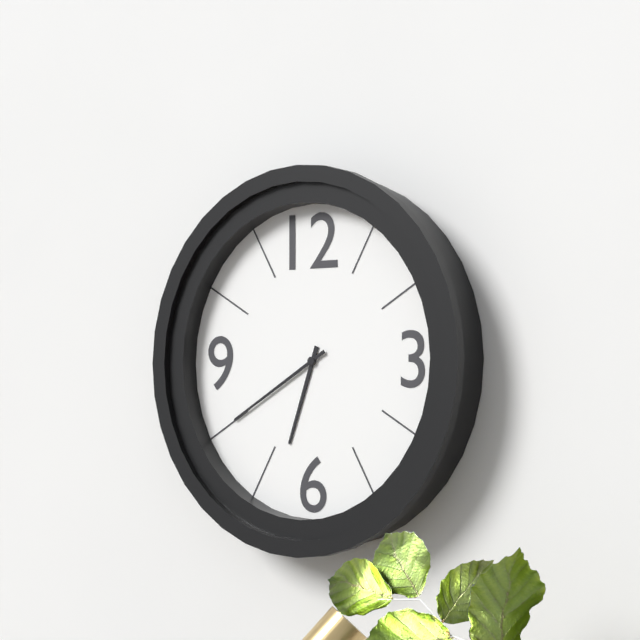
6:40
